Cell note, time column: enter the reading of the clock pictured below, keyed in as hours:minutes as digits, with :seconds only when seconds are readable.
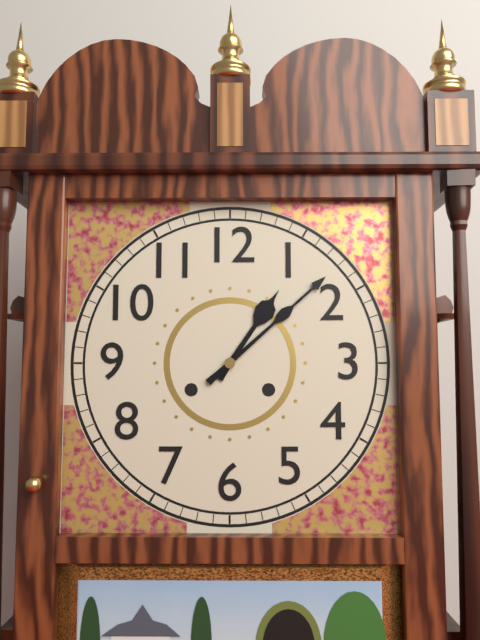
1:08
